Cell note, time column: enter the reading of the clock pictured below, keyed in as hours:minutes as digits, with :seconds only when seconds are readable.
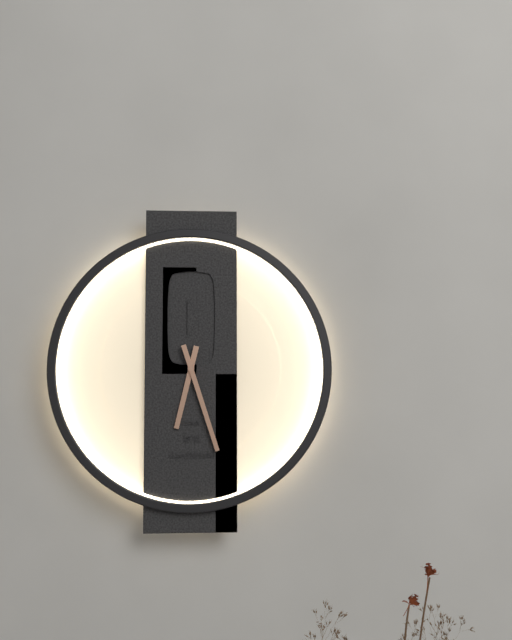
6:27
